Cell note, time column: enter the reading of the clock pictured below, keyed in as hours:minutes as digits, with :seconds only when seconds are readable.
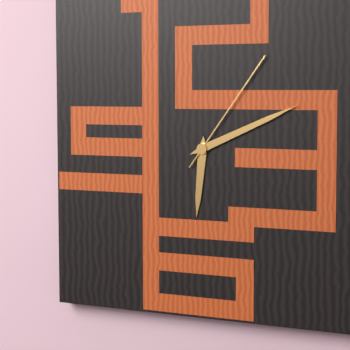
6:11:06
